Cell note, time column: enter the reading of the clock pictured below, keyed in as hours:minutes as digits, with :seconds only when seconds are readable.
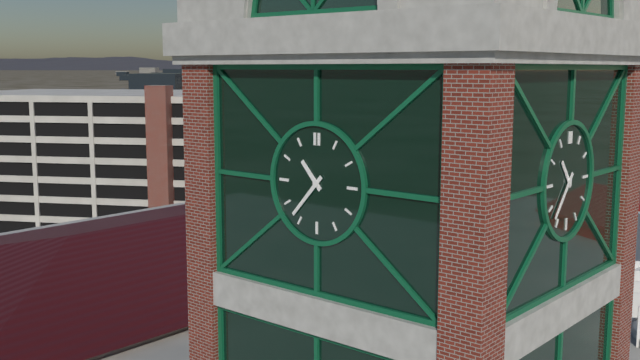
10:37
